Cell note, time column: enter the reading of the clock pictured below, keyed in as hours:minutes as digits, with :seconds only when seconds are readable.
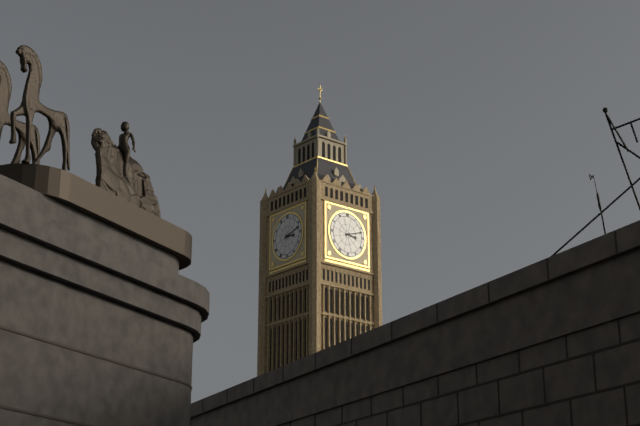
3:12
